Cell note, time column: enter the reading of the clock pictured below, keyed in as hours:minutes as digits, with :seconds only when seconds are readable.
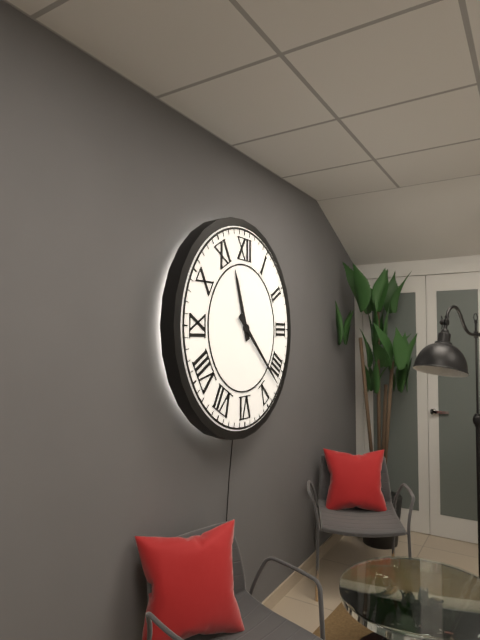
11:22
